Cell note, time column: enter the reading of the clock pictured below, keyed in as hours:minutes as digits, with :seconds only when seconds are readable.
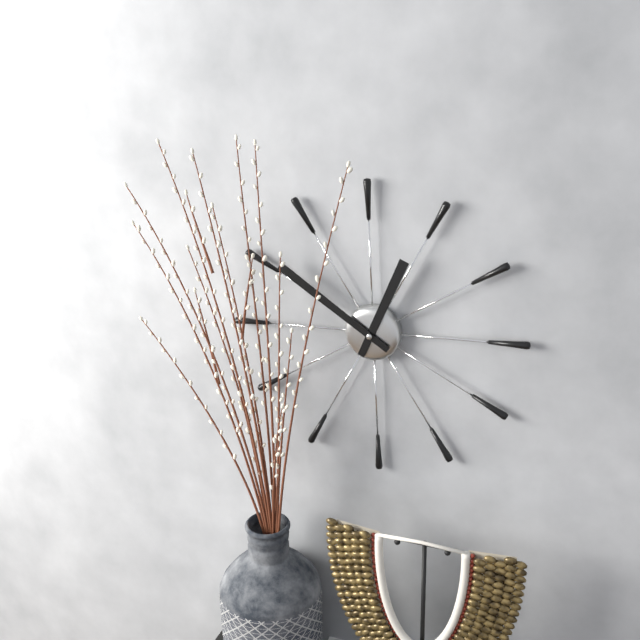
12:51
